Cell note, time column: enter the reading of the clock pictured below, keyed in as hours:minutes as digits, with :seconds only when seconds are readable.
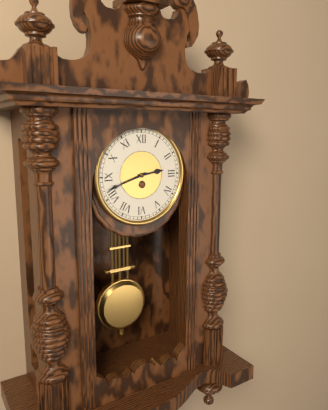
2:42
